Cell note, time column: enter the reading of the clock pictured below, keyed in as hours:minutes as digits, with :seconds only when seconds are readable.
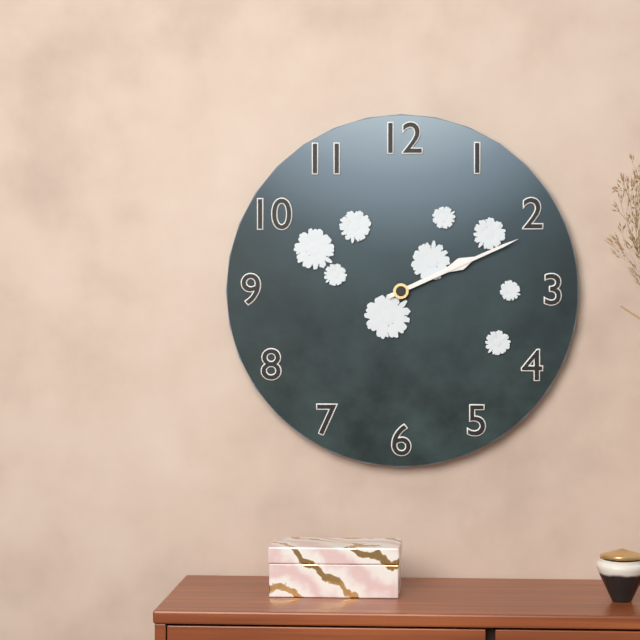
2:11
